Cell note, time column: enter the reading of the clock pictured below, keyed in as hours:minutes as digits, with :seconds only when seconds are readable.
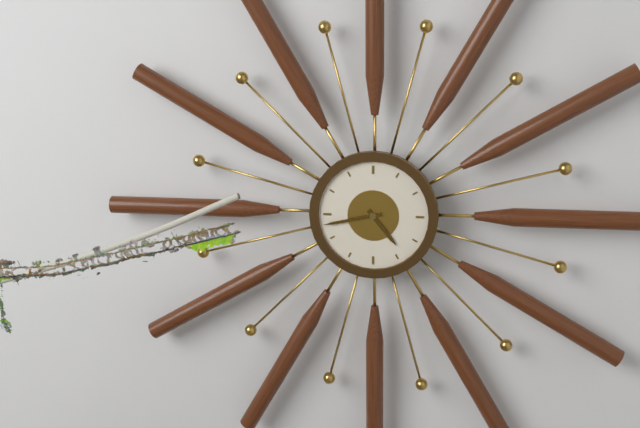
4:43
